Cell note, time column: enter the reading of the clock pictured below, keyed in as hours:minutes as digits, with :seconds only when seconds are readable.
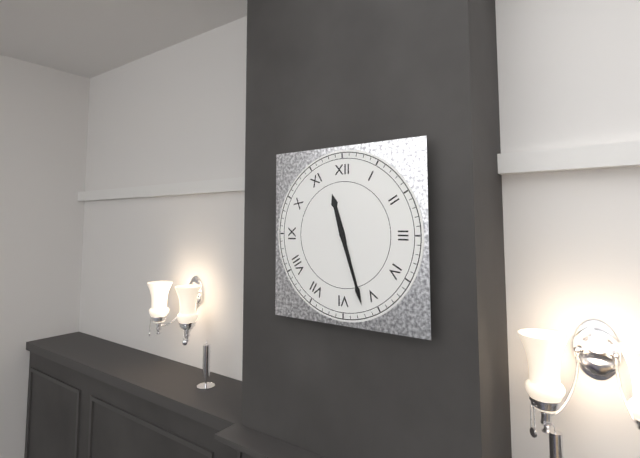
11:27
